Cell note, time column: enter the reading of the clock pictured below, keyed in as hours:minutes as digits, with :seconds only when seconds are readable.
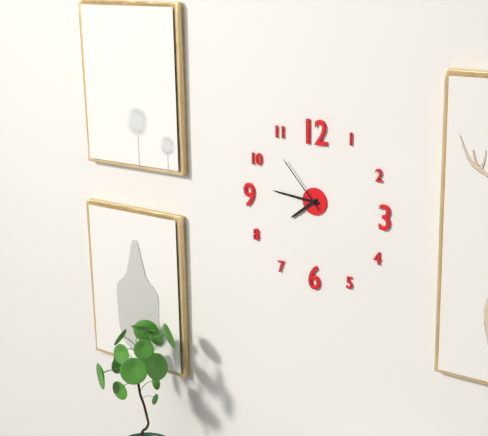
7:46:53
